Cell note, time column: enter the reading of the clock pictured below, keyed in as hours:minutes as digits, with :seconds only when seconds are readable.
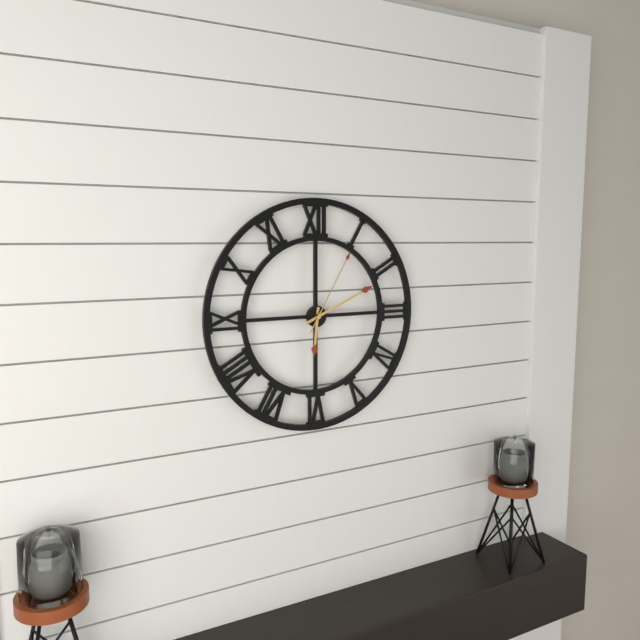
6:11:05
